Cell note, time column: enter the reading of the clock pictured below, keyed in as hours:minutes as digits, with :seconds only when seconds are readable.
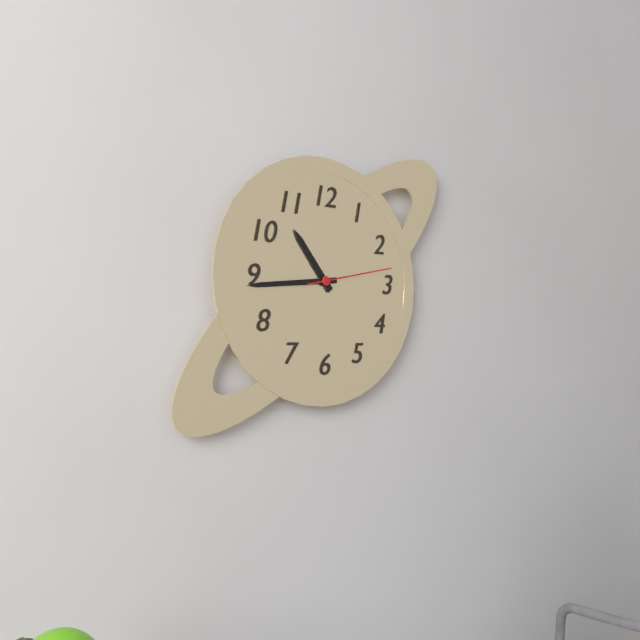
10:44:13
